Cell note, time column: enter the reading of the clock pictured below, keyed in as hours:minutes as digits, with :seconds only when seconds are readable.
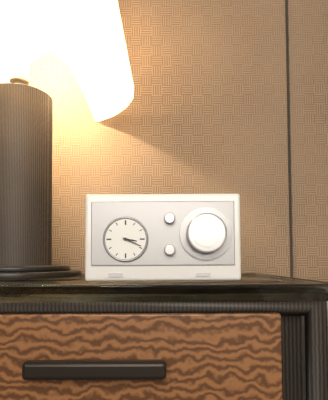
3:19
